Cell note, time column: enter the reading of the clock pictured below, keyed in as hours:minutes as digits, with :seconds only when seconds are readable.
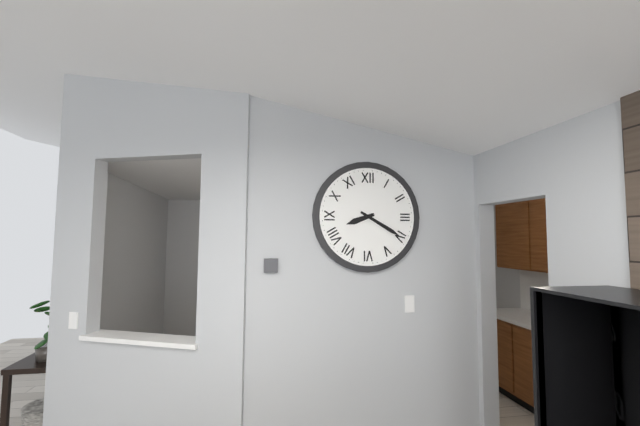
8:20
